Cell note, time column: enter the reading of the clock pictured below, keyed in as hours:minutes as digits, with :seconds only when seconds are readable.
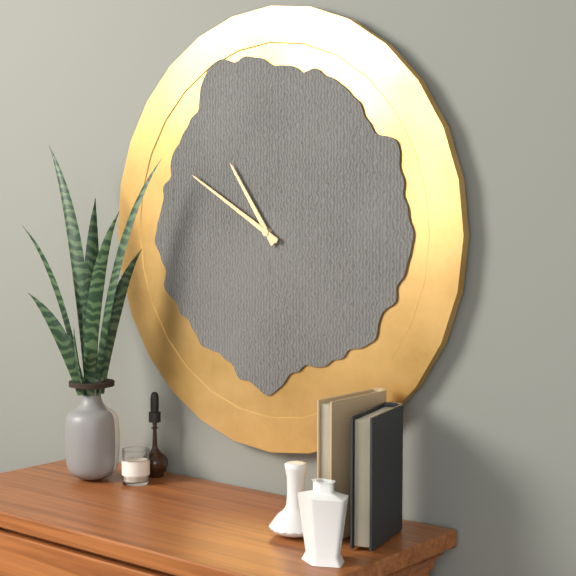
10:50
